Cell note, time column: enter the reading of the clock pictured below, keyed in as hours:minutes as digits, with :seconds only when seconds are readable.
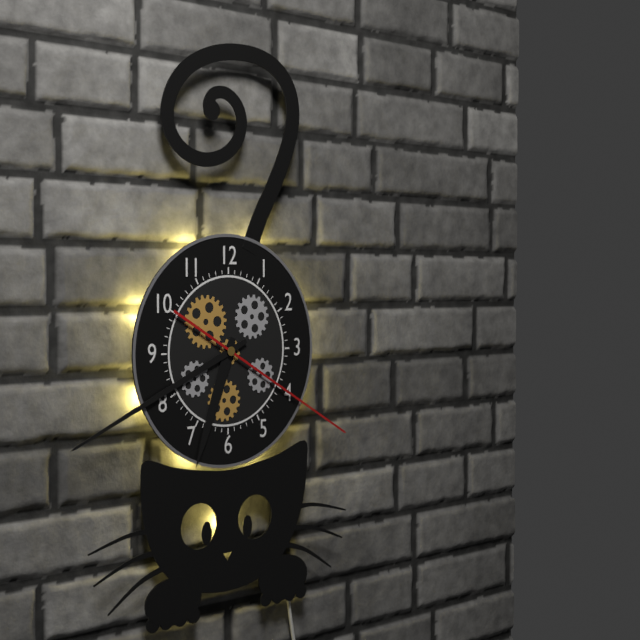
6:41:20
